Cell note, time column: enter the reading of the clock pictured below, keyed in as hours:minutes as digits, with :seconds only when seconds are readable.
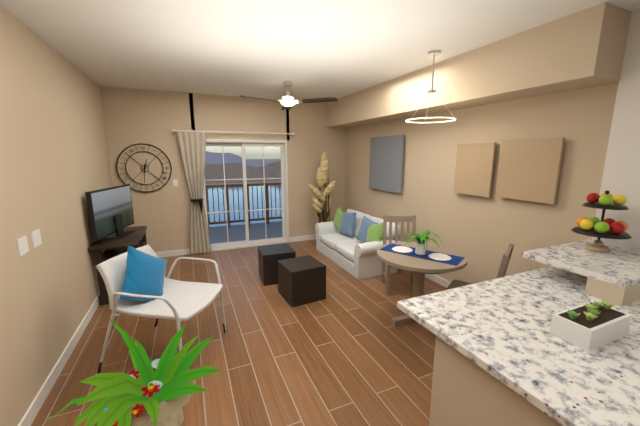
12:31
